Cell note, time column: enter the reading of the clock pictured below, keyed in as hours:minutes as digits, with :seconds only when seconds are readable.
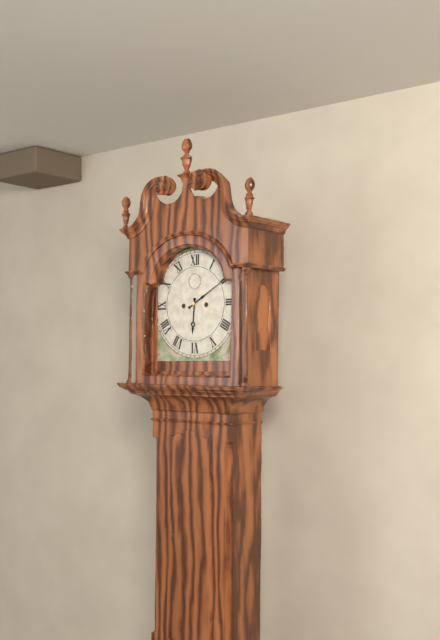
6:10
